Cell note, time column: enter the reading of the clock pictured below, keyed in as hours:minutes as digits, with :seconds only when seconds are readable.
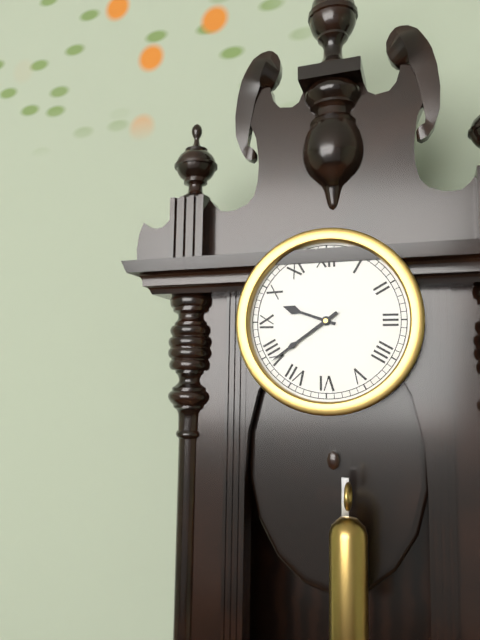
9:39
